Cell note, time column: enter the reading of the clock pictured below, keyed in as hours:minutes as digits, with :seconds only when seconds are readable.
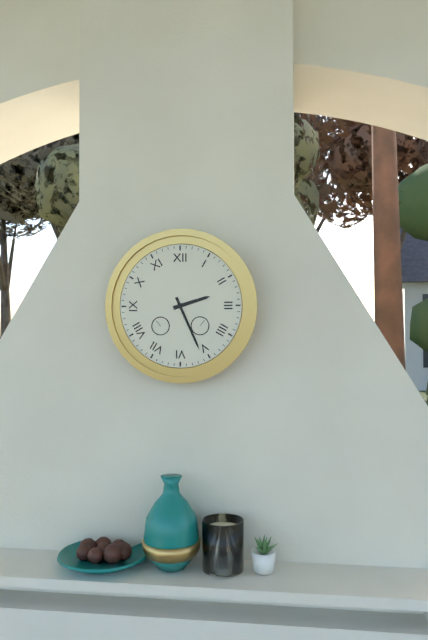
2:26
